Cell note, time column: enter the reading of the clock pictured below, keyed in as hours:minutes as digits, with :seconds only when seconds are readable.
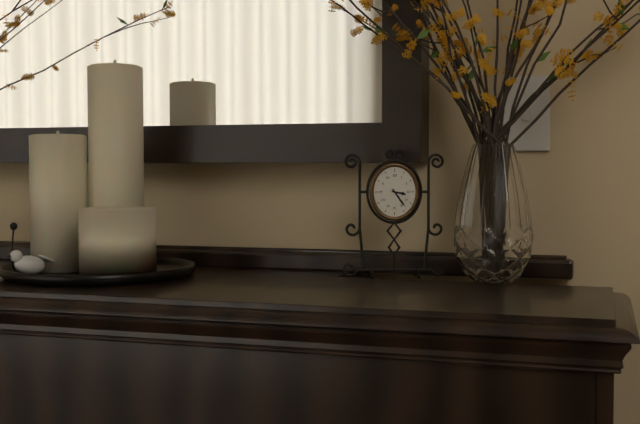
3:24
